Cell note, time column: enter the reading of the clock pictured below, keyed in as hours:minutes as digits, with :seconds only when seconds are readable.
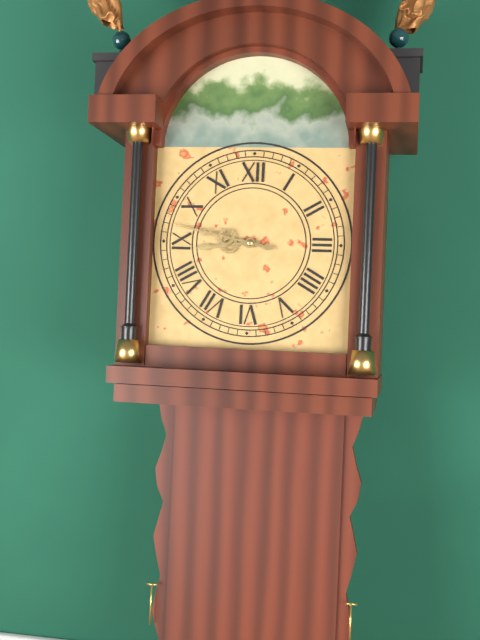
8:47
